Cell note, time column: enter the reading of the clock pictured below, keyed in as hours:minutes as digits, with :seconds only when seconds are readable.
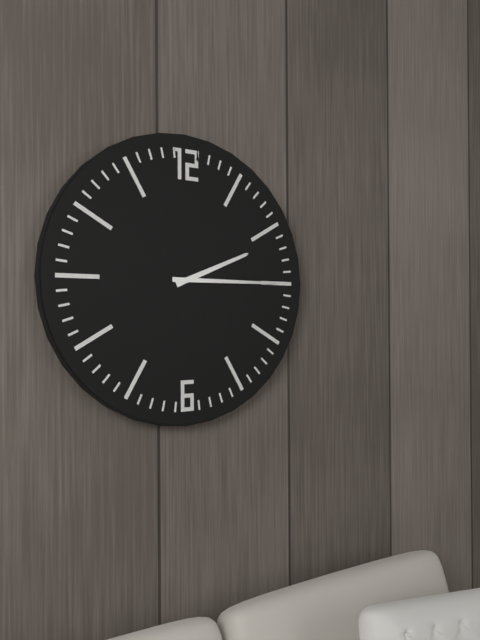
2:15
